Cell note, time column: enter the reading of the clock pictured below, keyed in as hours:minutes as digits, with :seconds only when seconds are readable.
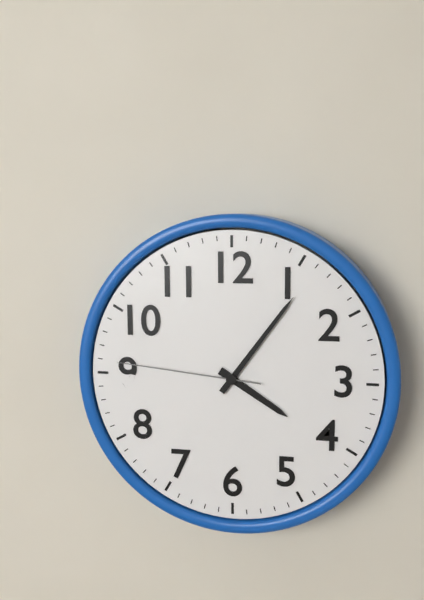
4:06:46
